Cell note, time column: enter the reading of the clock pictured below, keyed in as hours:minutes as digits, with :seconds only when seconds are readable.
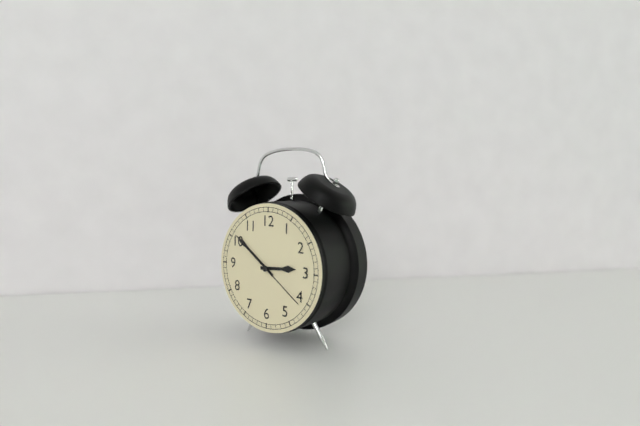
2:51:21
